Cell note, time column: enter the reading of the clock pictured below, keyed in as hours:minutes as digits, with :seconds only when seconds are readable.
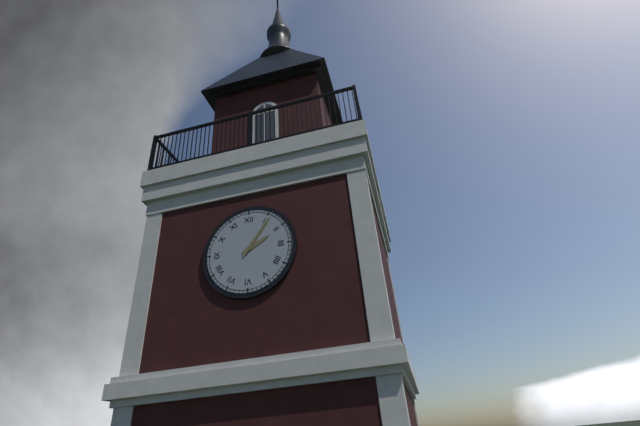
2:06
